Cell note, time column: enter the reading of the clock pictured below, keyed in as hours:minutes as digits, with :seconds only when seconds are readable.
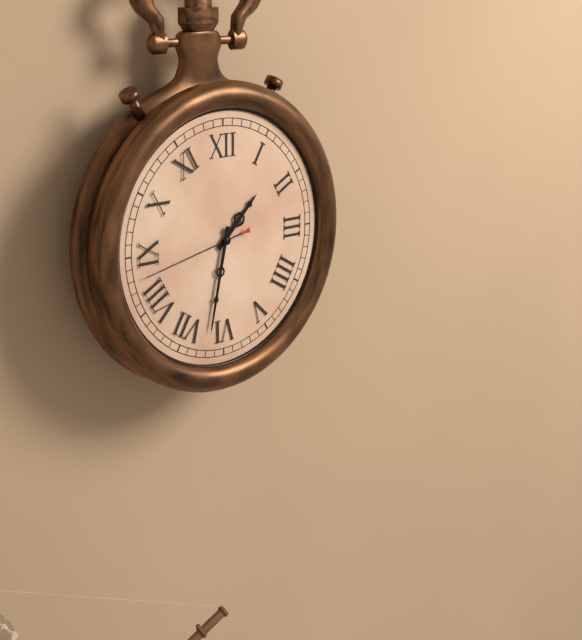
1:32:43
